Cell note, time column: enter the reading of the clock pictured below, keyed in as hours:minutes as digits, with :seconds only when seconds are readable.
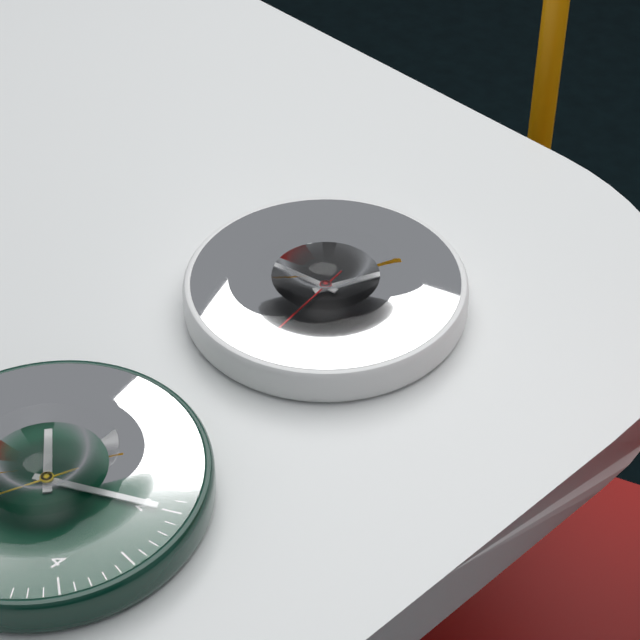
12:43:28
